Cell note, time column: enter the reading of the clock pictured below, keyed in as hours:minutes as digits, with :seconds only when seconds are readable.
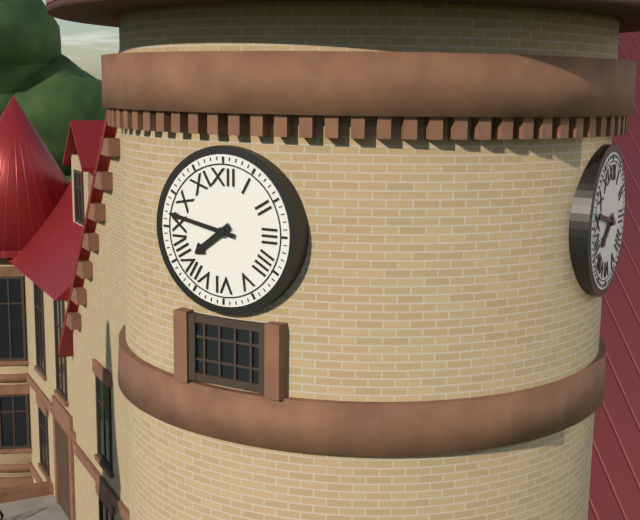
7:47
